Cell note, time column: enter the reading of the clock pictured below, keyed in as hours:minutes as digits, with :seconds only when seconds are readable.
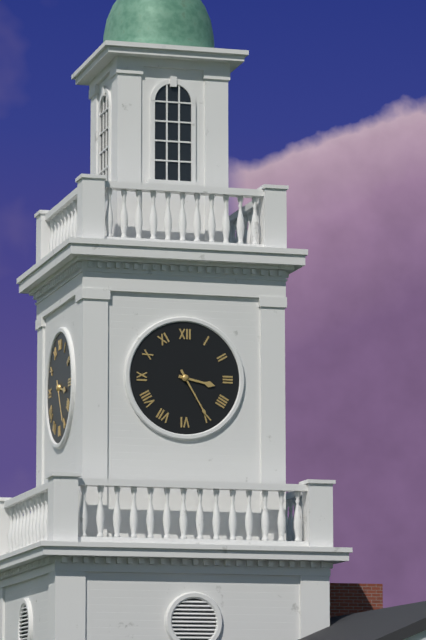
3:25
